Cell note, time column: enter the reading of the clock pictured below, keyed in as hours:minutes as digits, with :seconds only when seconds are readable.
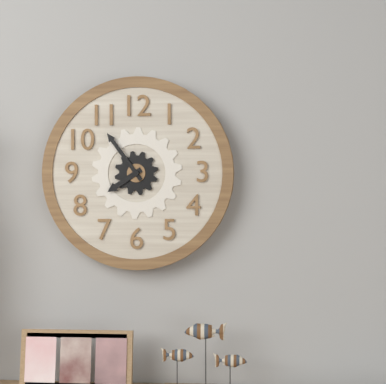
7:54
